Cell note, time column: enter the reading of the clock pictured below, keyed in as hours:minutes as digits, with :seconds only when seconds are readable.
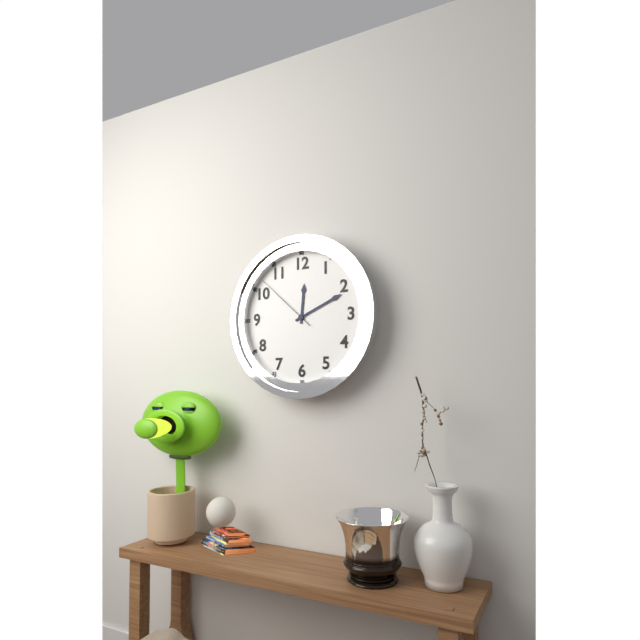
12:11:52
